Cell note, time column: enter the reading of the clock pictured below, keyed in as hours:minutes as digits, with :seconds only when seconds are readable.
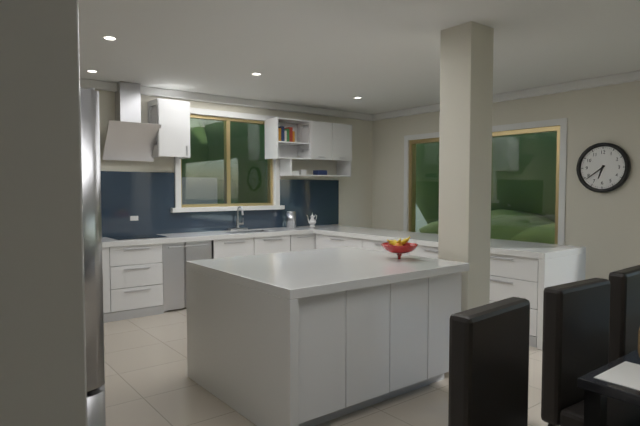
6:39
